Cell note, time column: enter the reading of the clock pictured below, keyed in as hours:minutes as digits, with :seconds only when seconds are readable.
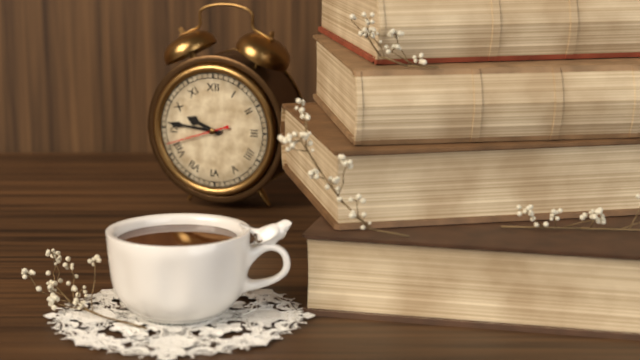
9:46:42
